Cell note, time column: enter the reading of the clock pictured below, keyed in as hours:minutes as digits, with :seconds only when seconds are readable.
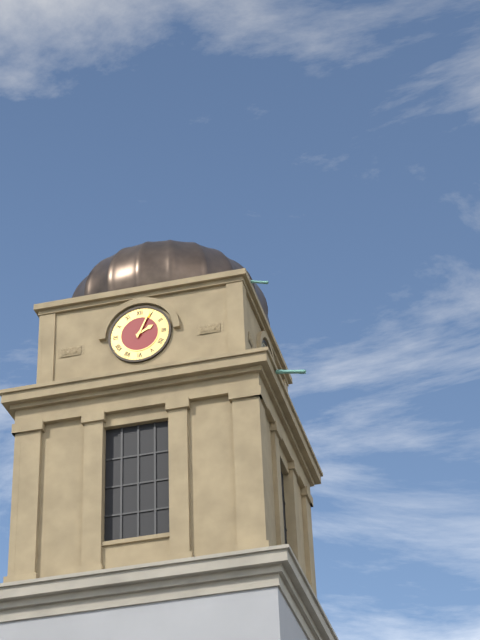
2:04
